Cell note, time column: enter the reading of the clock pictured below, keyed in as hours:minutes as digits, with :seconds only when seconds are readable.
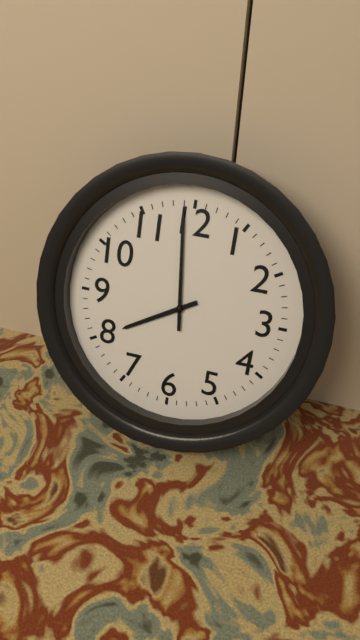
7:59
